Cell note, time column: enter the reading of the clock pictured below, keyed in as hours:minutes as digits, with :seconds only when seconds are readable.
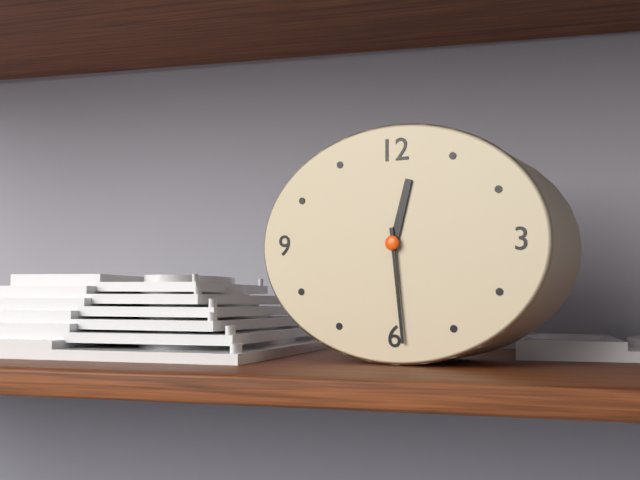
12:29
